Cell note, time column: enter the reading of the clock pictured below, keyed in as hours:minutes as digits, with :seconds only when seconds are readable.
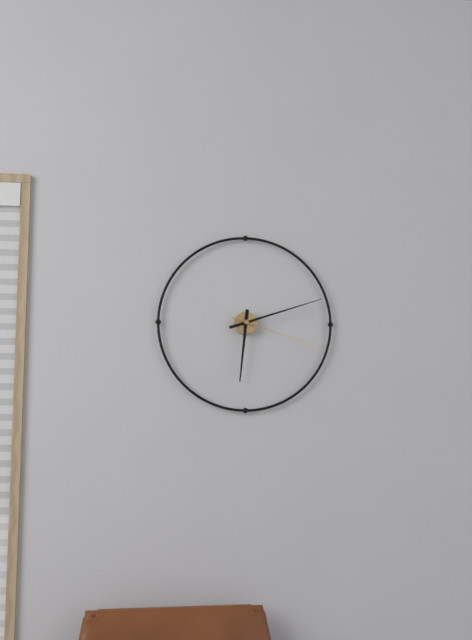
6:12:18
